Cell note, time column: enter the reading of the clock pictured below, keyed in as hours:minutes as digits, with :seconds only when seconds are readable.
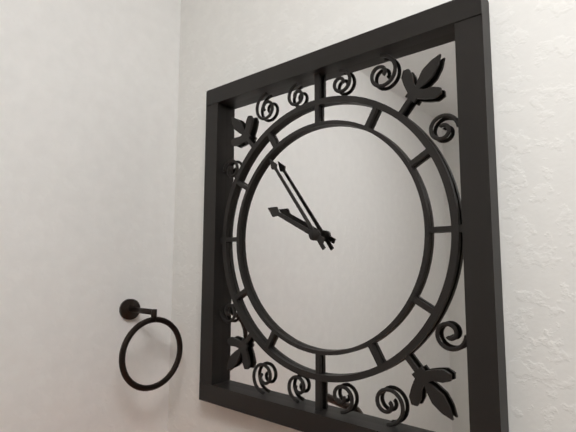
9:54
